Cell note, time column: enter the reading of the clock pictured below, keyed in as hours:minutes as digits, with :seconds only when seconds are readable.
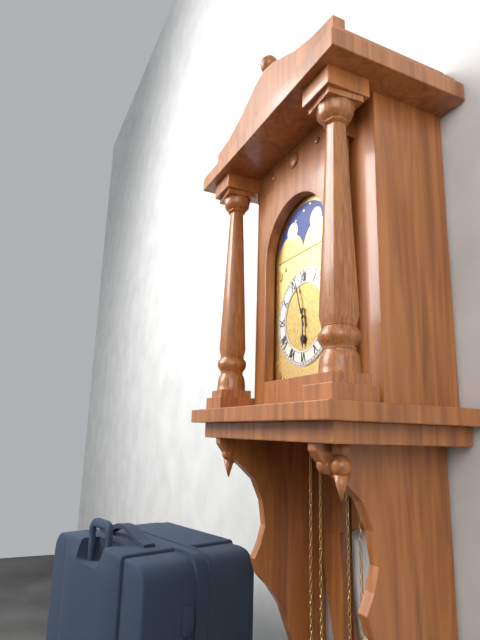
5:57
